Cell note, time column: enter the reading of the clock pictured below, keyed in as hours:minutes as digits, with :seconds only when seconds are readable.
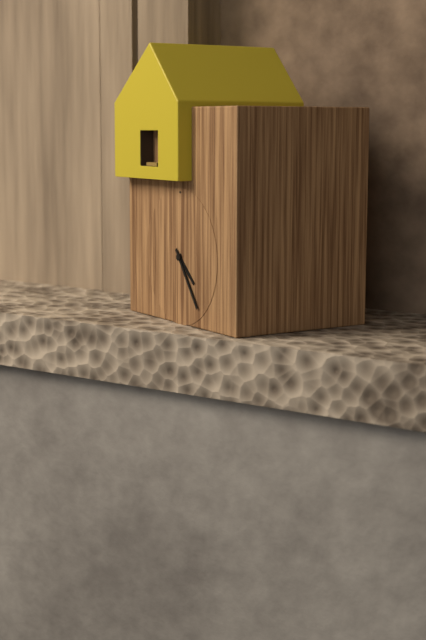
4:24
